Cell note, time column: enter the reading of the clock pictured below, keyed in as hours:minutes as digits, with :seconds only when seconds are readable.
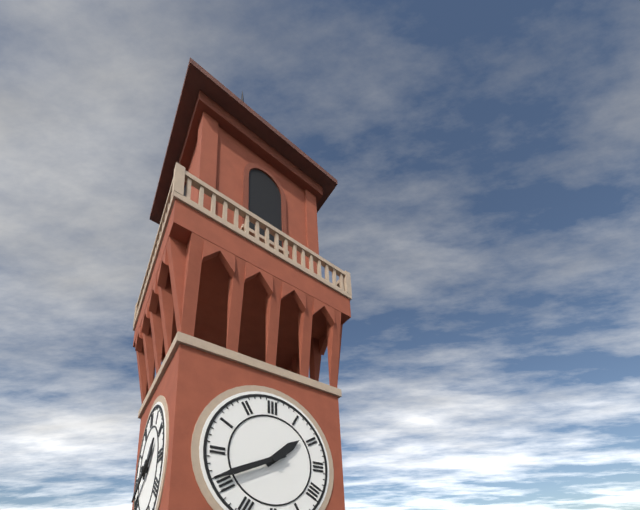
1:41
